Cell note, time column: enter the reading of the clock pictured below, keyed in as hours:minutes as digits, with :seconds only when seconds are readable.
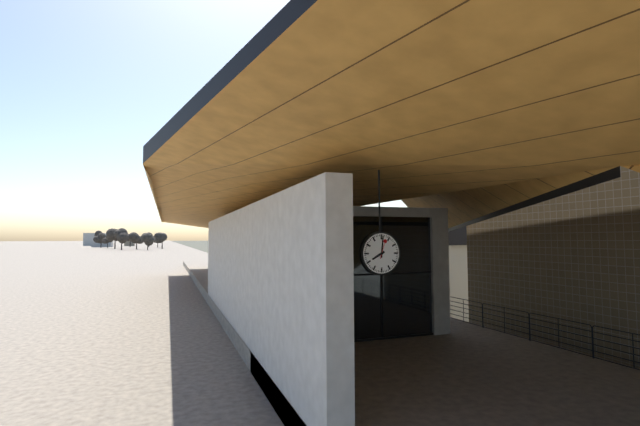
8:01
